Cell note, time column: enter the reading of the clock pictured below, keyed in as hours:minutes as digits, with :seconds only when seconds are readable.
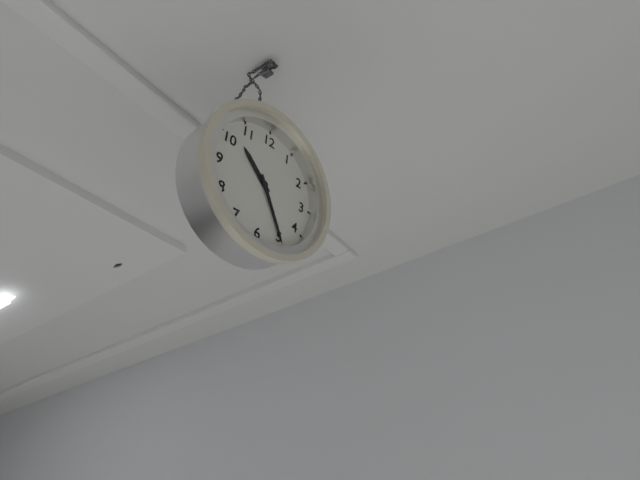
10:25
